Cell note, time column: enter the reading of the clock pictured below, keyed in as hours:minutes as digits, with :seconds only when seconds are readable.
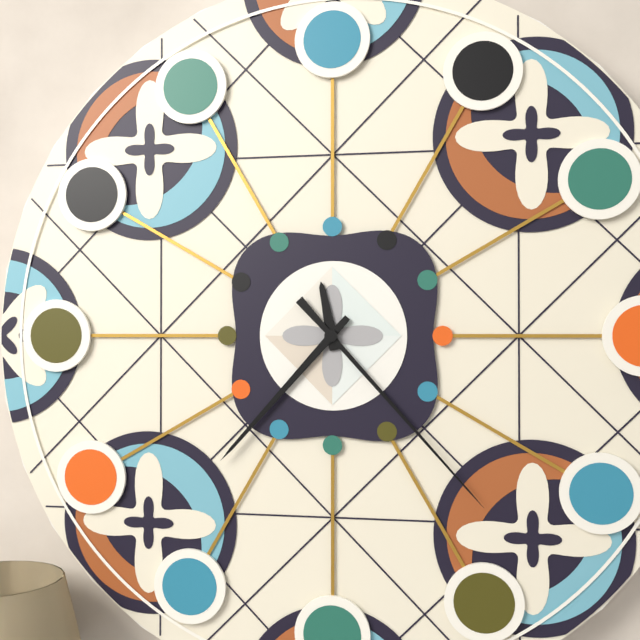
11:37:23
